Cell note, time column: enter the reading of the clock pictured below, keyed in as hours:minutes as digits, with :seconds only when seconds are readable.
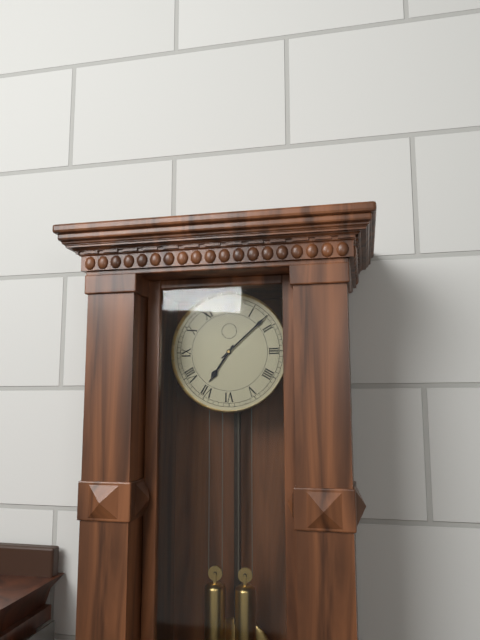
7:08
